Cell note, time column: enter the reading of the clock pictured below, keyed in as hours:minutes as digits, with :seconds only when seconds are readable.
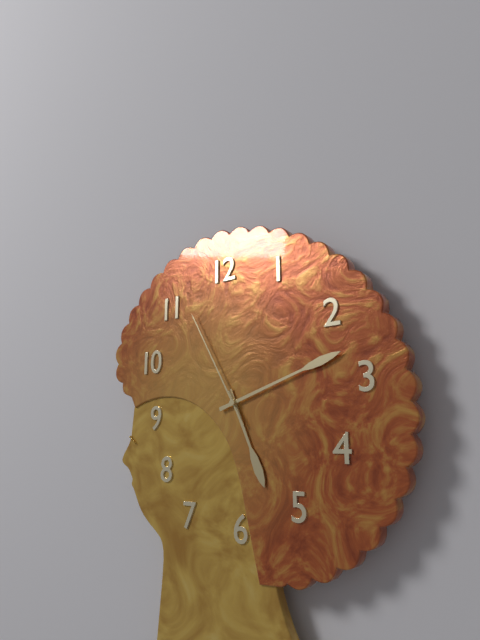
5:12:55
